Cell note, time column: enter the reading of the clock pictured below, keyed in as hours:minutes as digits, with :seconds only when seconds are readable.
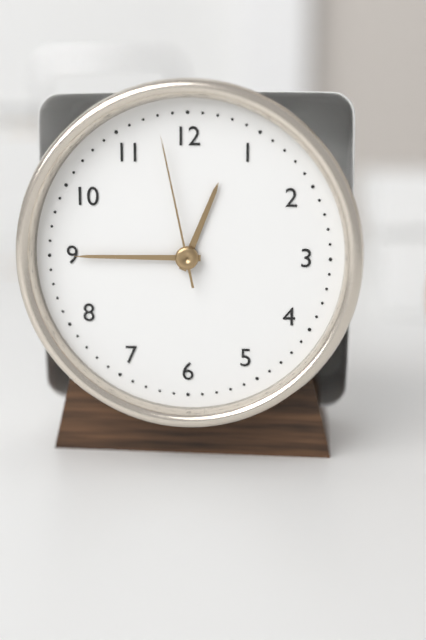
12:45:58
